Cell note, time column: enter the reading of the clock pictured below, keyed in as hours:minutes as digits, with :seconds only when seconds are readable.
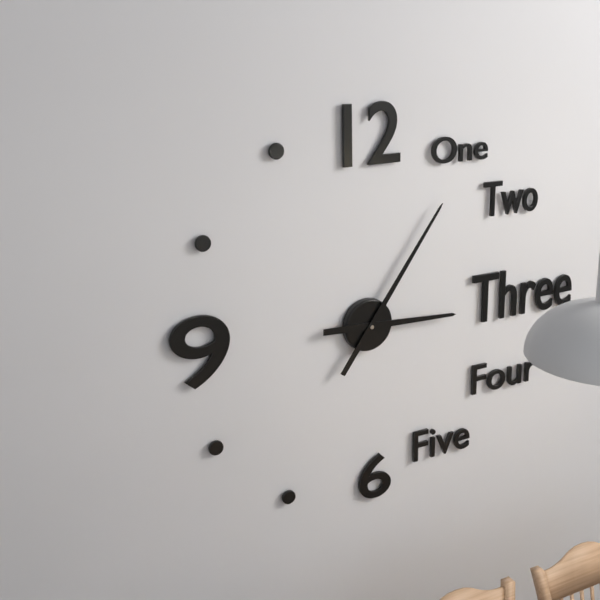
3:06
